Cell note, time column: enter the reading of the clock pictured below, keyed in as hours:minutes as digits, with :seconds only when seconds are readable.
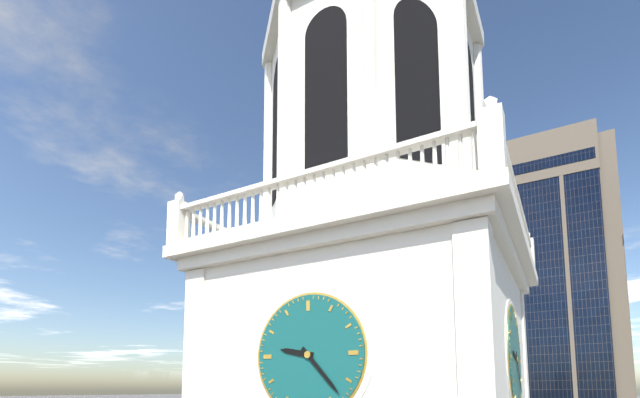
9:23
